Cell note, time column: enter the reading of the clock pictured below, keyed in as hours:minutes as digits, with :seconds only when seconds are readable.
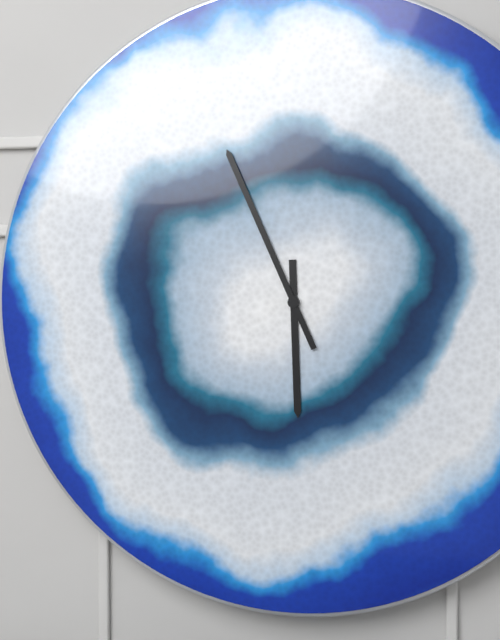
5:56
